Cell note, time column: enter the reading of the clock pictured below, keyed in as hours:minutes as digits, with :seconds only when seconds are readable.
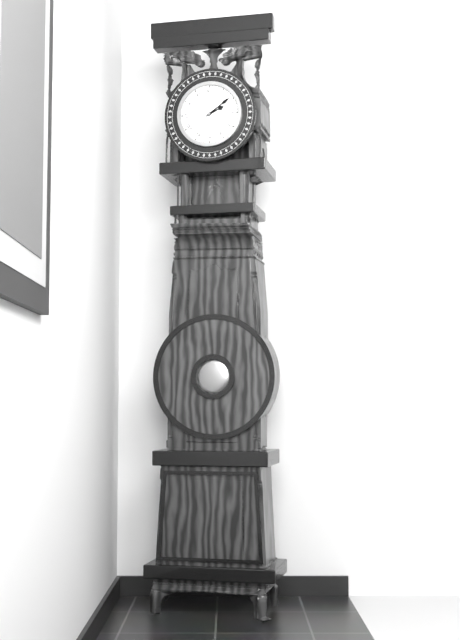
2:09
